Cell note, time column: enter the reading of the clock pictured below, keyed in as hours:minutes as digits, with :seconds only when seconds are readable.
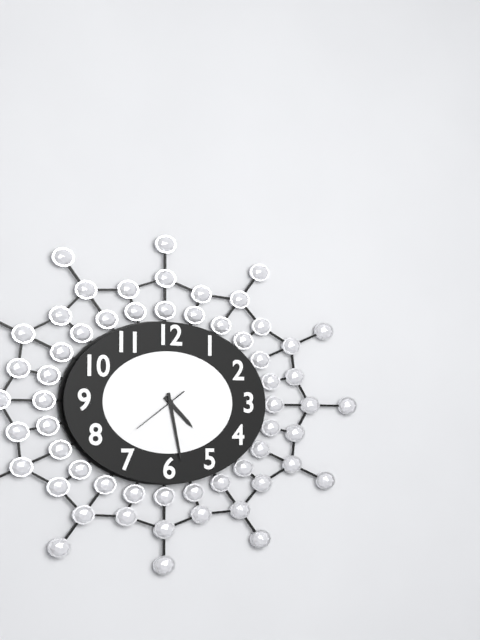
4:28
